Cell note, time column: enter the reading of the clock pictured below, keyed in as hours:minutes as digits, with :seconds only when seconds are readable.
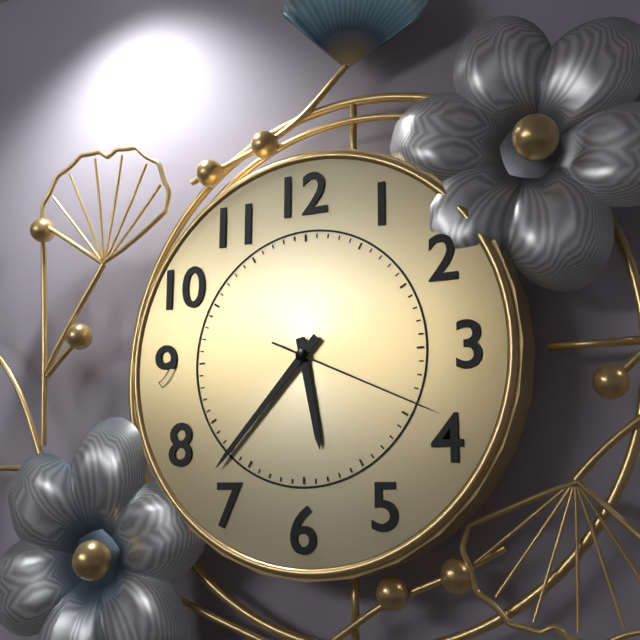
5:37:19
